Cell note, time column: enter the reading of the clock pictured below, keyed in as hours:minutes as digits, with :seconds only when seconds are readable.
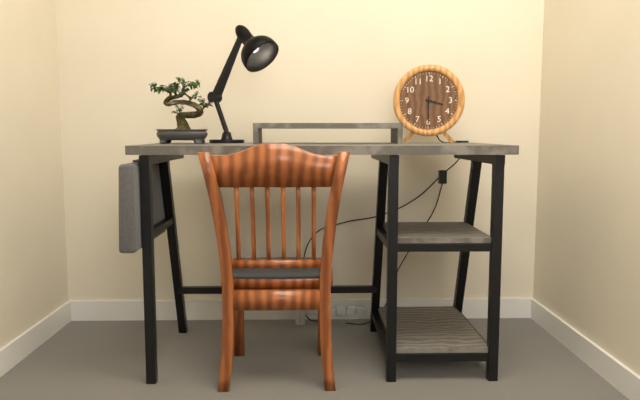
3:30
